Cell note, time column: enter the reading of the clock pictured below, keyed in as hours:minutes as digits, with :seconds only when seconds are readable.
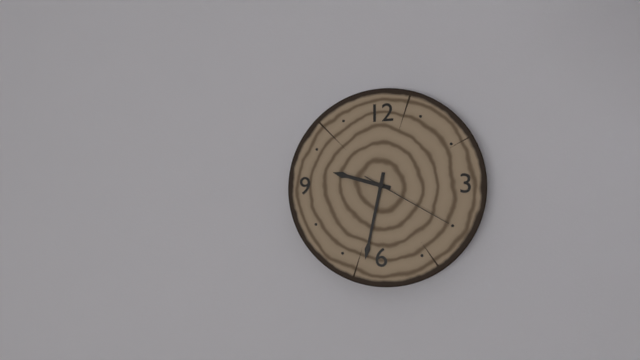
9:32:20
